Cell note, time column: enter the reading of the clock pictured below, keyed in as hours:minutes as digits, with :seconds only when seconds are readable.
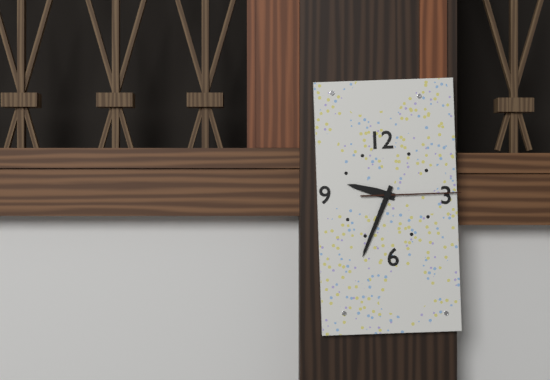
9:34:15
